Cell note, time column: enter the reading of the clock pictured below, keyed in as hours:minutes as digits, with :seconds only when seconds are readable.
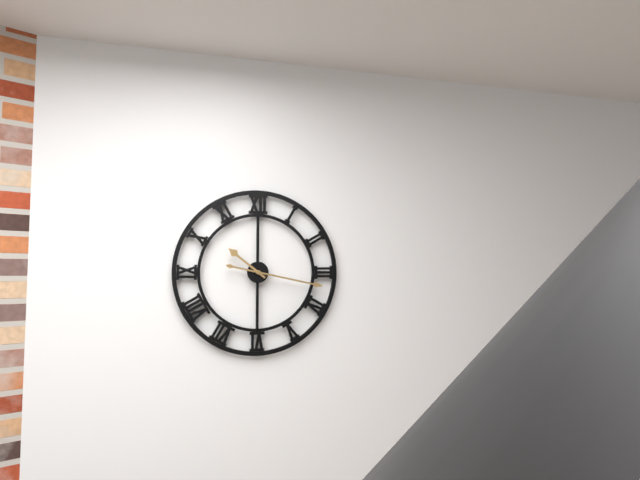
10:17
